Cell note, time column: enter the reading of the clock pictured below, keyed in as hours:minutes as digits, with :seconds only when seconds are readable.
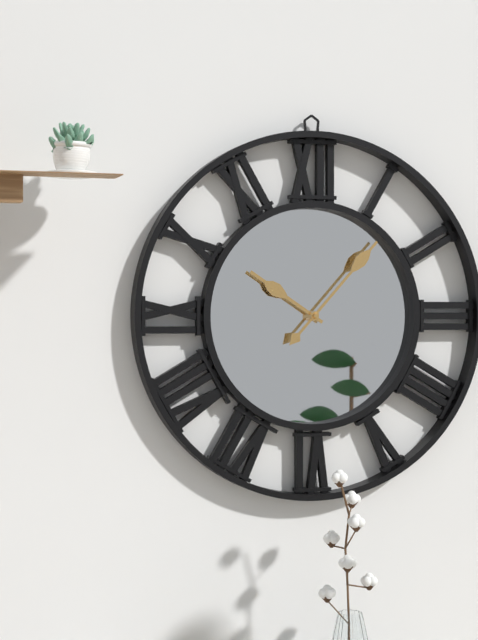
10:07
